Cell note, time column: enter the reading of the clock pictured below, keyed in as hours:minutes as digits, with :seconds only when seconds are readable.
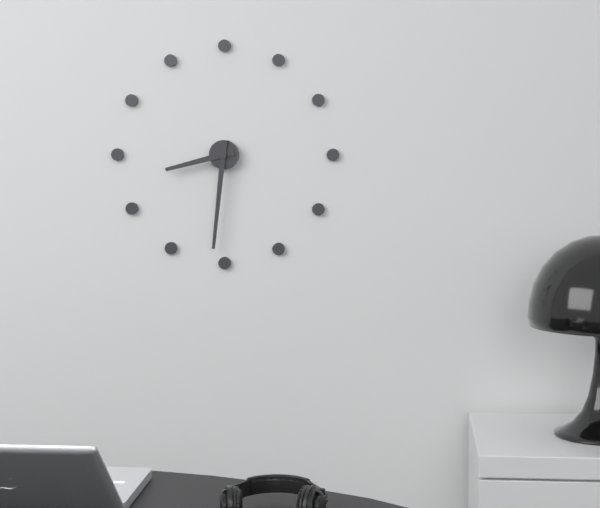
8:31
